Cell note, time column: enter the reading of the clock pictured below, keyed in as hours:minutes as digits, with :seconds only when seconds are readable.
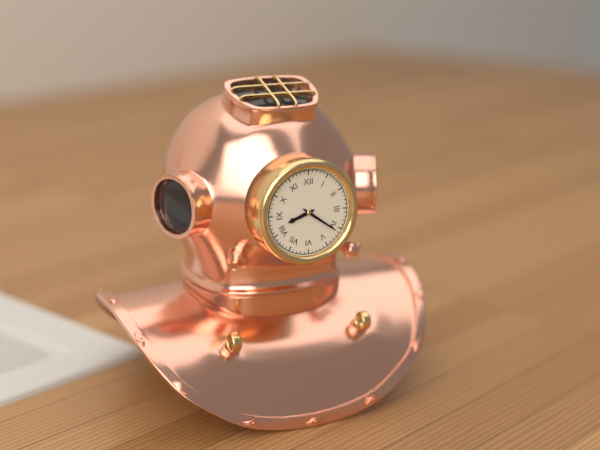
8:21
